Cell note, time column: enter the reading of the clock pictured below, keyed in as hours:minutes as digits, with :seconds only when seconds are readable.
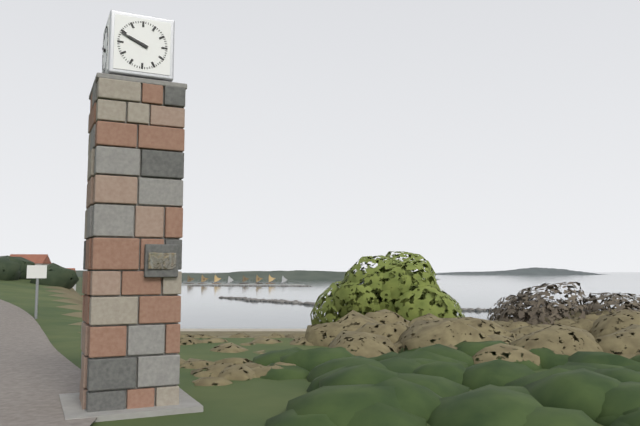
9:49
